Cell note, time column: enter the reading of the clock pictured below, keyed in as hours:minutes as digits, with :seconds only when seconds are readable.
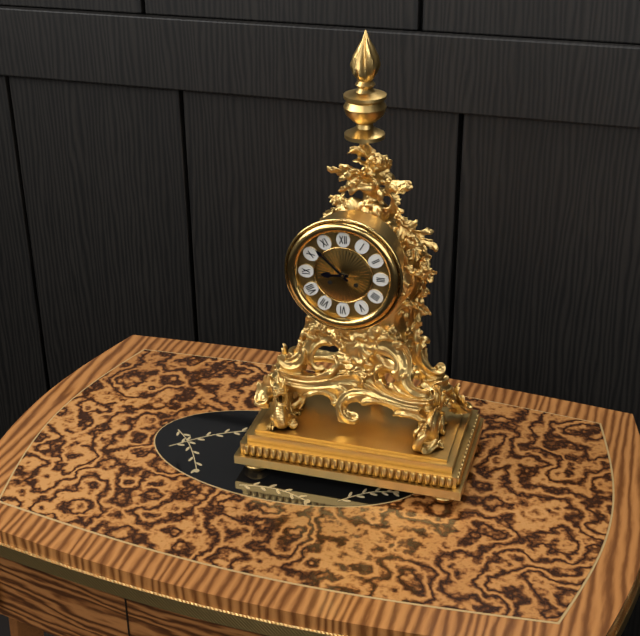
8:52
